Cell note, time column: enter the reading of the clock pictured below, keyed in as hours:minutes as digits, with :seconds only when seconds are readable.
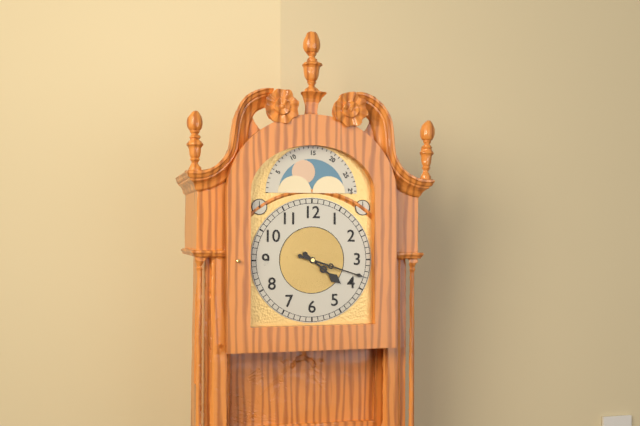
4:18
